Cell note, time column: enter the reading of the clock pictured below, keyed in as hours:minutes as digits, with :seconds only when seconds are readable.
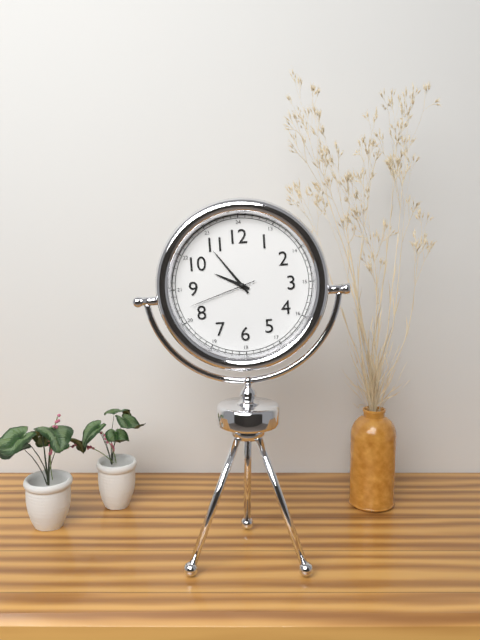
9:54:42
